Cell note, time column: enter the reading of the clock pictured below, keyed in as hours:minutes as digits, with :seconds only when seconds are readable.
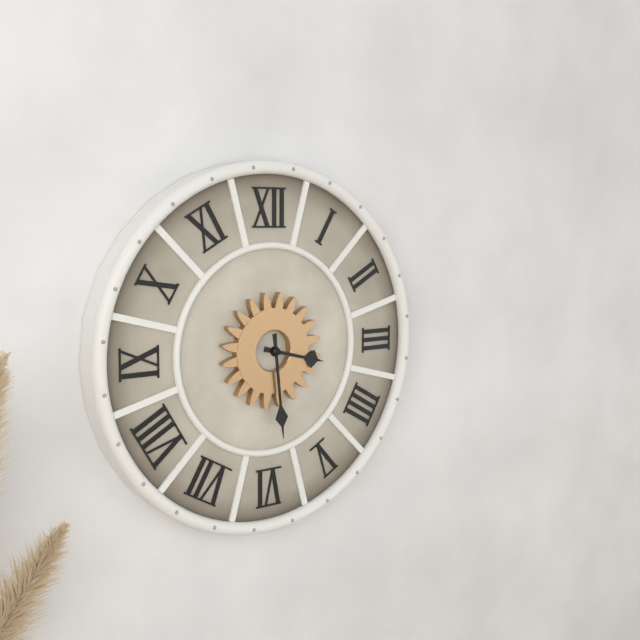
3:29
